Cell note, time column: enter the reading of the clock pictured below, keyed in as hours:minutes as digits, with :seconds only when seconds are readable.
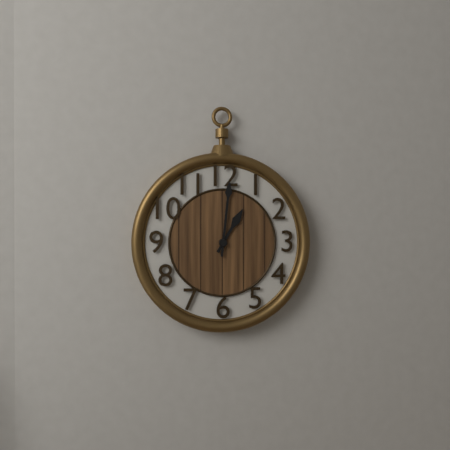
1:01
